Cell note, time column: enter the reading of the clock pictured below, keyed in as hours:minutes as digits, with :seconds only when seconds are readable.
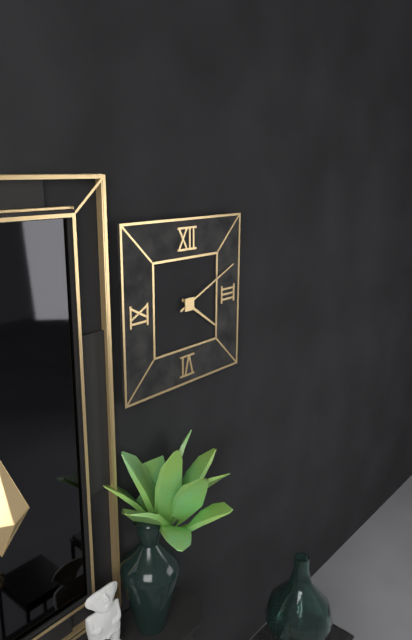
4:11
